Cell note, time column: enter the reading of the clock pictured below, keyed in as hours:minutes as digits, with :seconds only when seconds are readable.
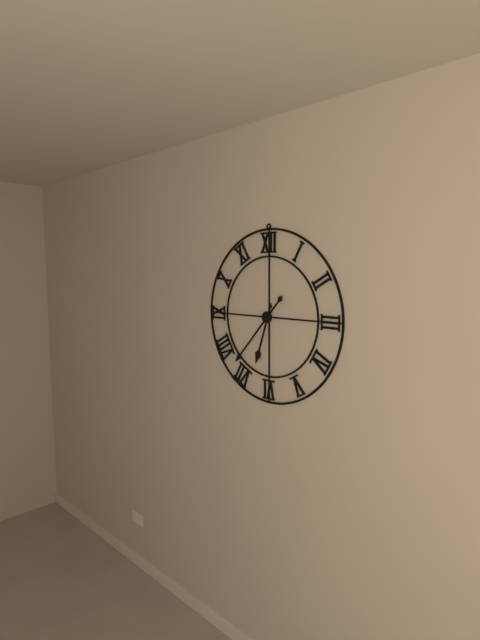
6:37
